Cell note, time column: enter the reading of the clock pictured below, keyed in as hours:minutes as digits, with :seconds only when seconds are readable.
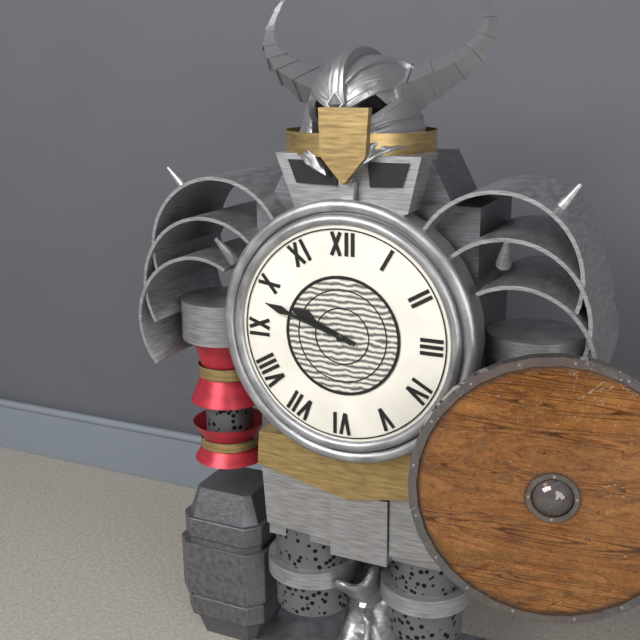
9:48
